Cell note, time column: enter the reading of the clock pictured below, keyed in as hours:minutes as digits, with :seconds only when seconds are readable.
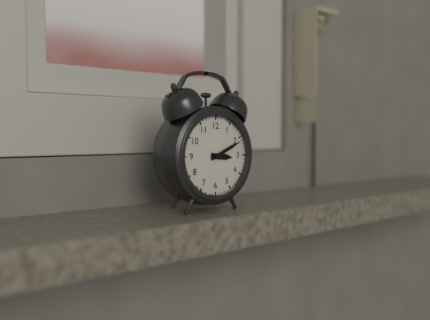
3:11
